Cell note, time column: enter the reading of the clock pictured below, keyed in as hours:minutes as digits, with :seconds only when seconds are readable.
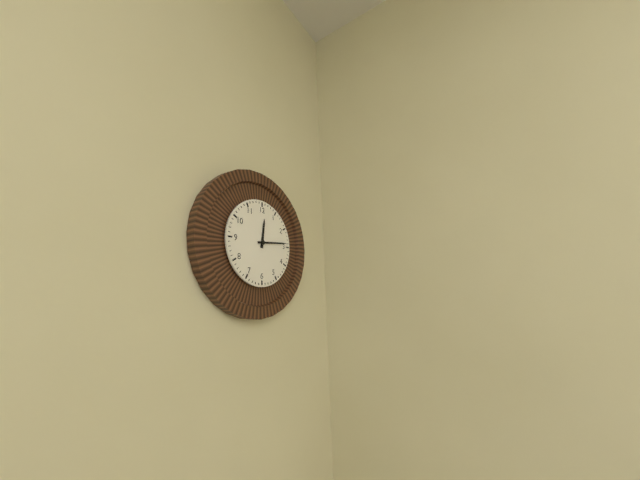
12:14
